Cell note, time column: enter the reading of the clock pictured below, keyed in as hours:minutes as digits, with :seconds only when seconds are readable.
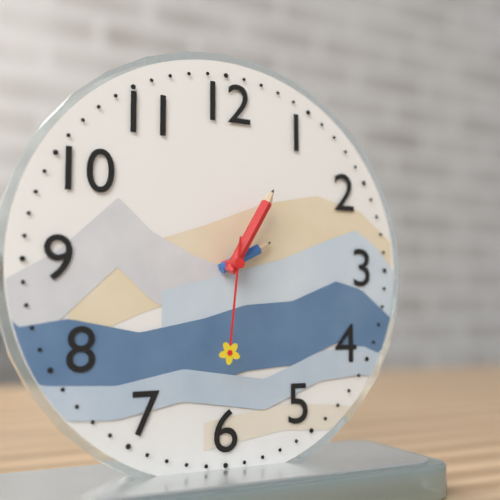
2:05:31
